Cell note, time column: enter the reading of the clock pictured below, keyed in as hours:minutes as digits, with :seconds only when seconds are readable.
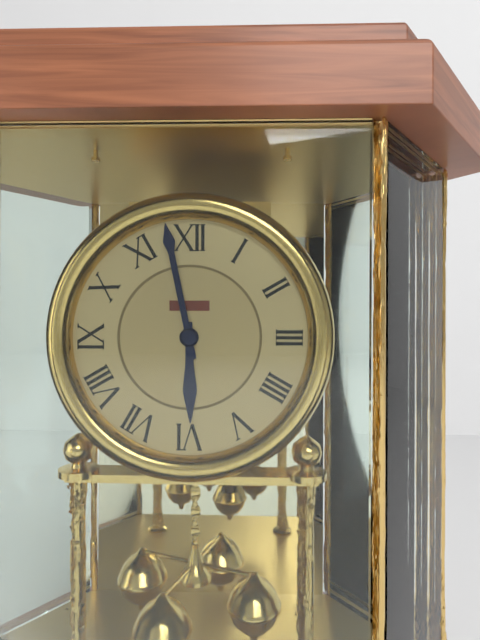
5:58
